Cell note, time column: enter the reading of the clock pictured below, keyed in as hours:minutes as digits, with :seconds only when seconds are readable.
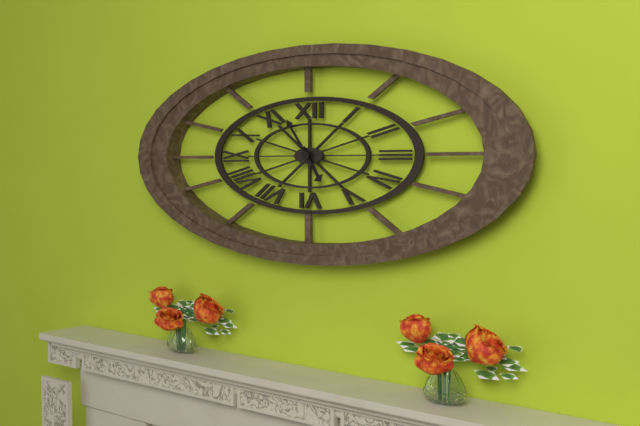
4:54
